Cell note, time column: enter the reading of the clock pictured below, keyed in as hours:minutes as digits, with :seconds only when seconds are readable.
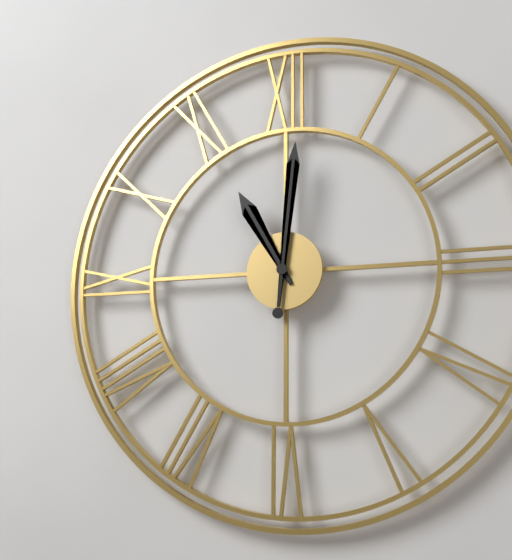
11:01
